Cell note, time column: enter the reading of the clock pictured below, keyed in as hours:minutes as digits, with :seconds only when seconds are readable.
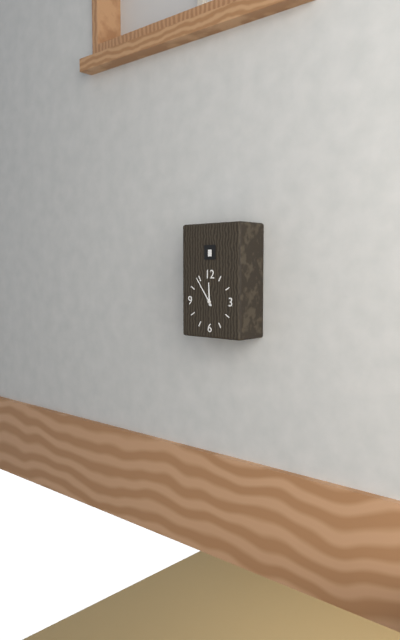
11:54
